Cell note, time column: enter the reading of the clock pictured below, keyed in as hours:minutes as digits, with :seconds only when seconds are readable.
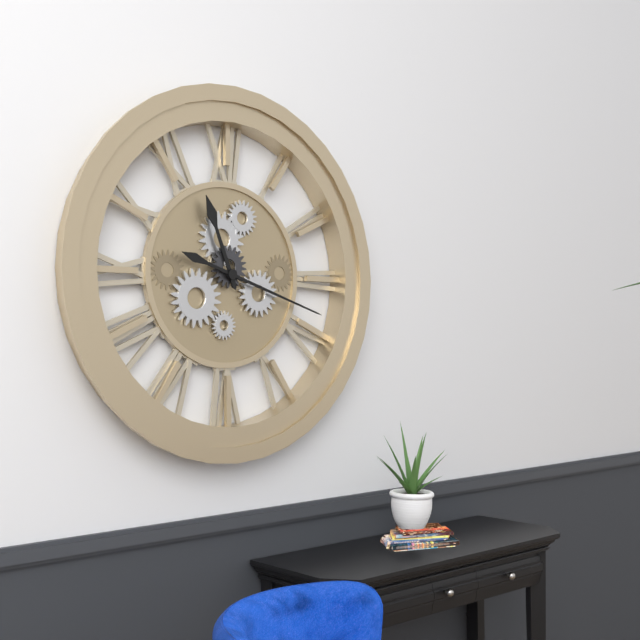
11:18
